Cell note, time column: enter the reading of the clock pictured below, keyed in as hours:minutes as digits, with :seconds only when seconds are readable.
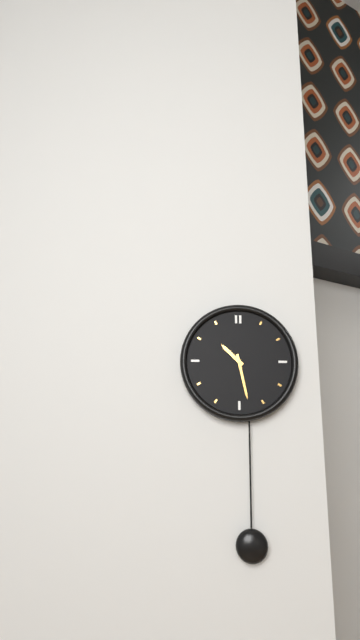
10:28
